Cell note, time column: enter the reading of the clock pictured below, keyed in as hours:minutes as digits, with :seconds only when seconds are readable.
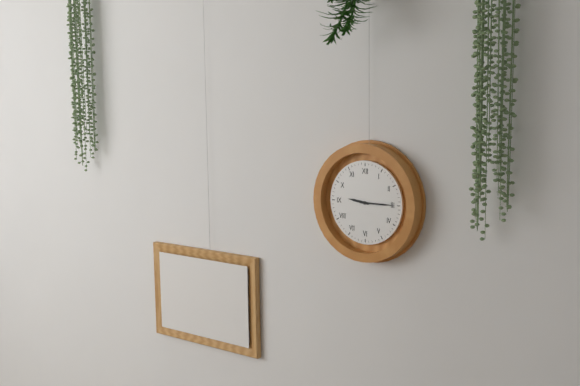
9:15
